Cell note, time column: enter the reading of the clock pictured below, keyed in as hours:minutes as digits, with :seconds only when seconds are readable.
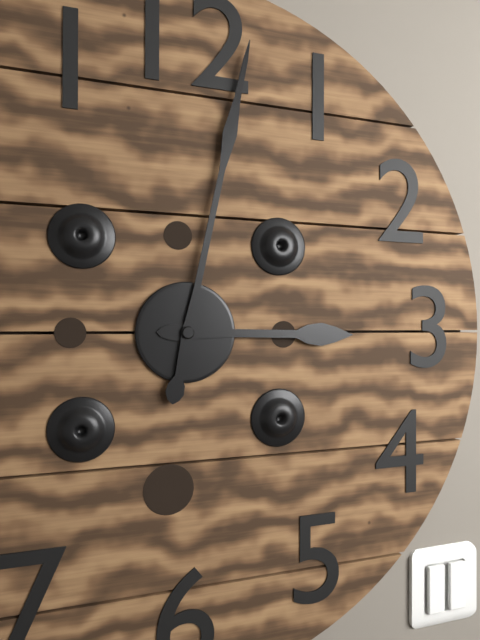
3:02
